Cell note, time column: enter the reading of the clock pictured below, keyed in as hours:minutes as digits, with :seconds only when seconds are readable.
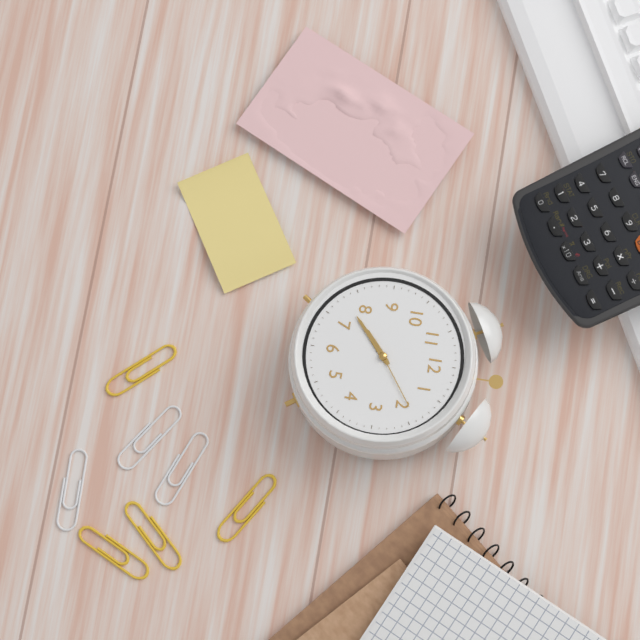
7:38:09
